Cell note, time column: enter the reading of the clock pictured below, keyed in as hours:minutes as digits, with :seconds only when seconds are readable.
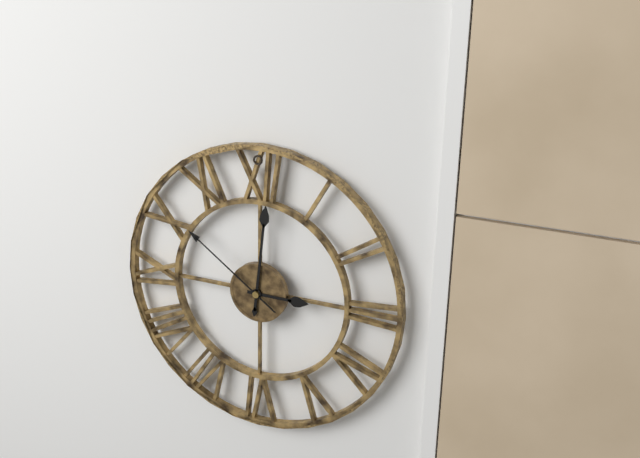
3:01:51
